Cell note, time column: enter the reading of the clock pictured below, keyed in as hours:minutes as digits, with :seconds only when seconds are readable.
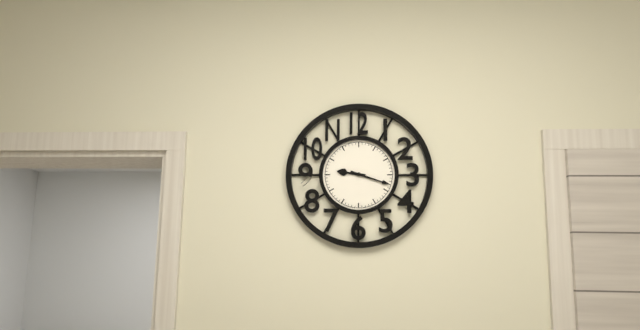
9:18
